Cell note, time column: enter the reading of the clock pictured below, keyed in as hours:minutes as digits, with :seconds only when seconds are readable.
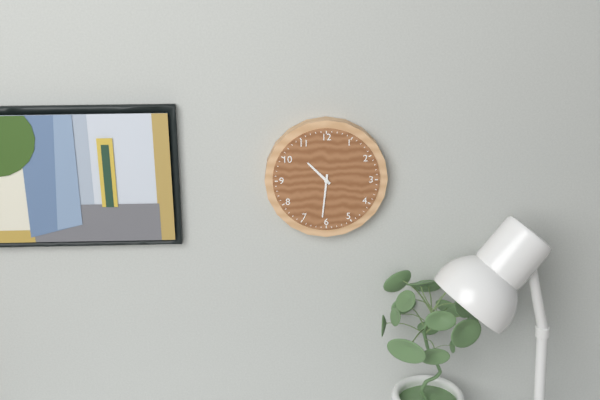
10:31
